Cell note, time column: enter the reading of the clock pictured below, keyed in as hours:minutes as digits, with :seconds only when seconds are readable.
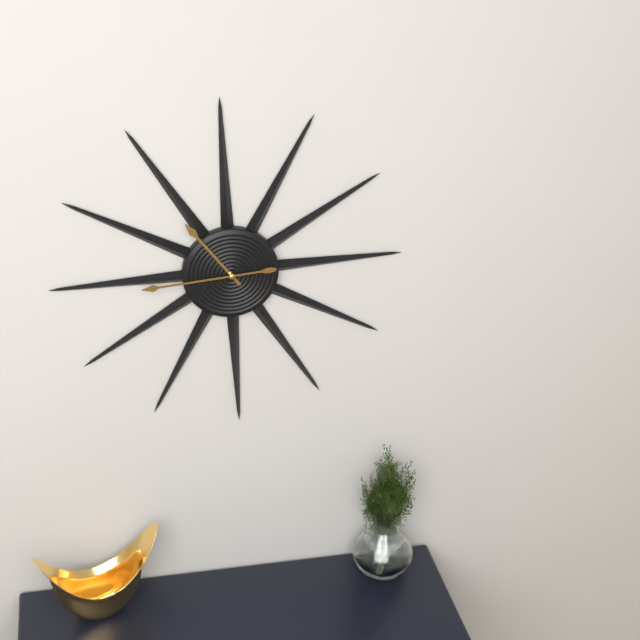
10:44
